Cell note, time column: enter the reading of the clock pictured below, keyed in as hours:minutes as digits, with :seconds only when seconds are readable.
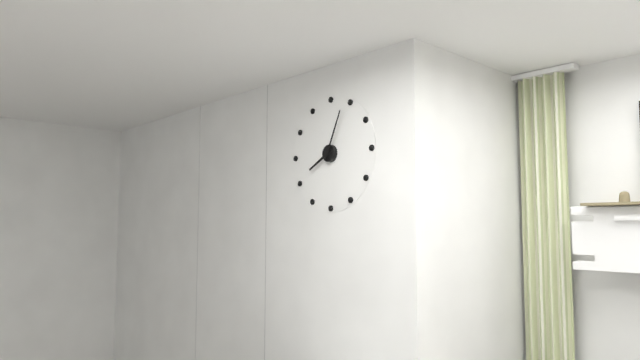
8:04
